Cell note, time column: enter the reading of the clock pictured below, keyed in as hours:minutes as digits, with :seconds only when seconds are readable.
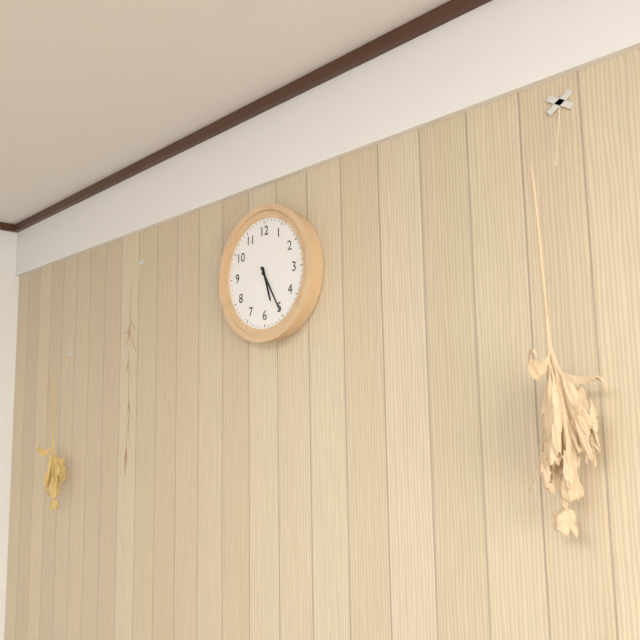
5:25
